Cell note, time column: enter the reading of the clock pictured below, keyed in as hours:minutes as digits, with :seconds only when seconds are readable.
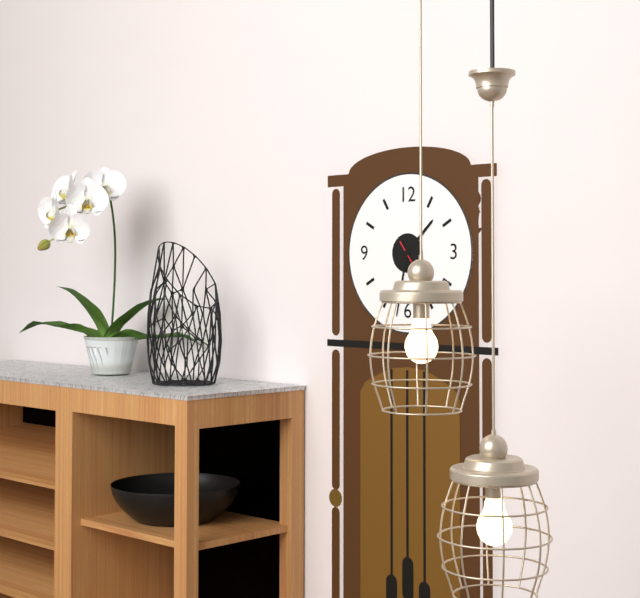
1:32
